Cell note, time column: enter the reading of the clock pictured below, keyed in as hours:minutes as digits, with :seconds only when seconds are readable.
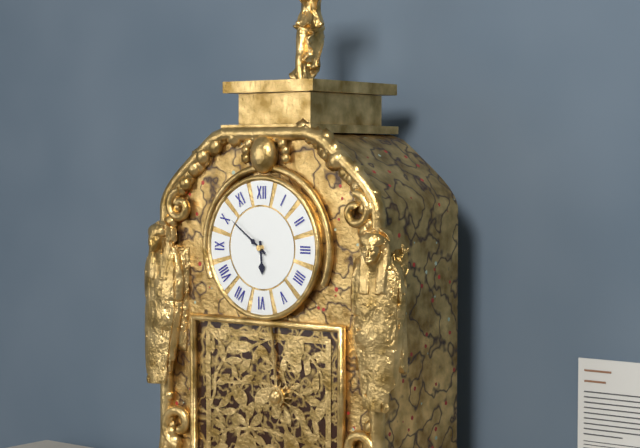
5:51
